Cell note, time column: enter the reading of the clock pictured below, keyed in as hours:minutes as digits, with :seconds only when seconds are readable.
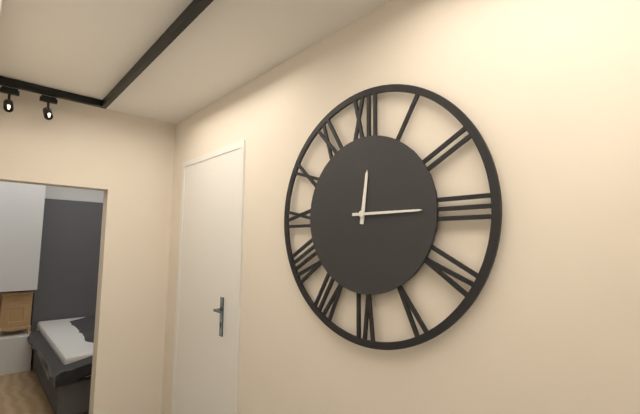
12:15
